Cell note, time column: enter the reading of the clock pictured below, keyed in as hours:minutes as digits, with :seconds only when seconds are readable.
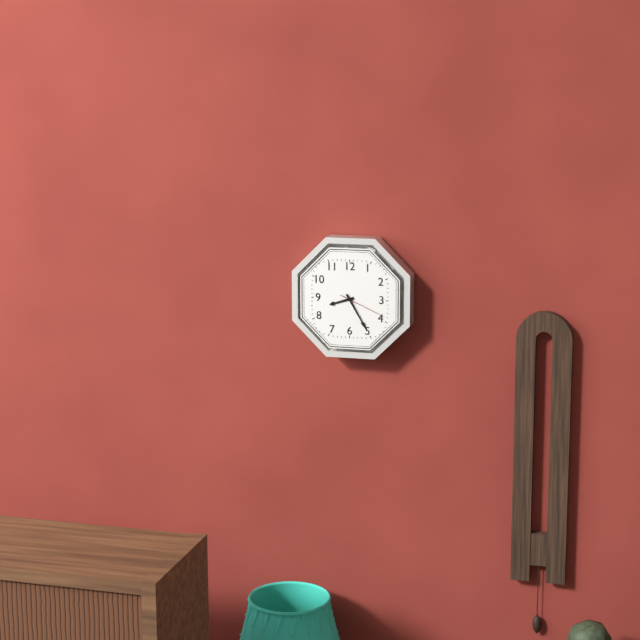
8:25
